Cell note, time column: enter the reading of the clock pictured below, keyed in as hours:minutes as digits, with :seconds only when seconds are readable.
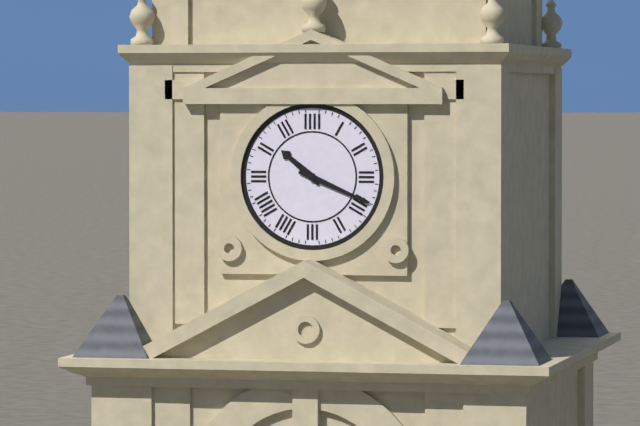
10:19
